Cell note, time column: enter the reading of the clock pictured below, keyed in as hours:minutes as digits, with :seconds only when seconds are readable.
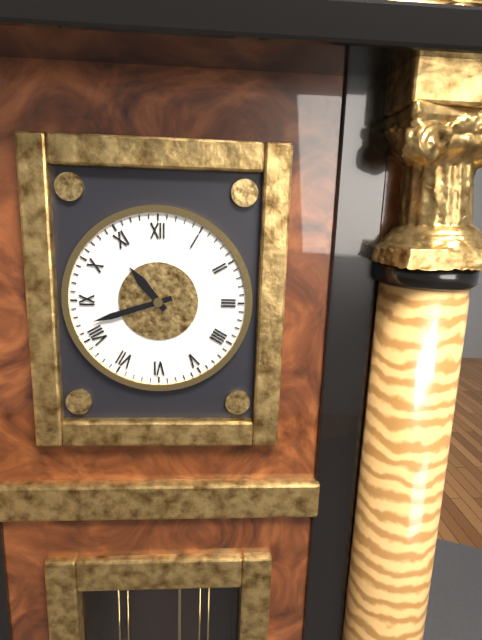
10:42
